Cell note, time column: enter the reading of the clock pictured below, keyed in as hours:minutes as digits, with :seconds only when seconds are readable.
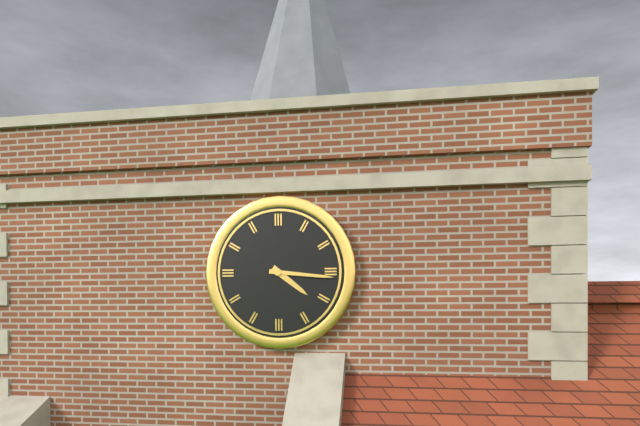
4:16
